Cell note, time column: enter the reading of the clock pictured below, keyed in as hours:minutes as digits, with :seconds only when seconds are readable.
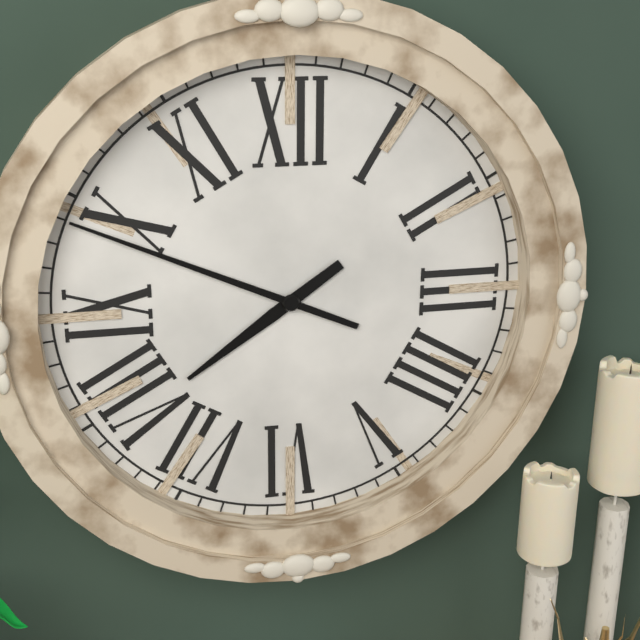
7:49
